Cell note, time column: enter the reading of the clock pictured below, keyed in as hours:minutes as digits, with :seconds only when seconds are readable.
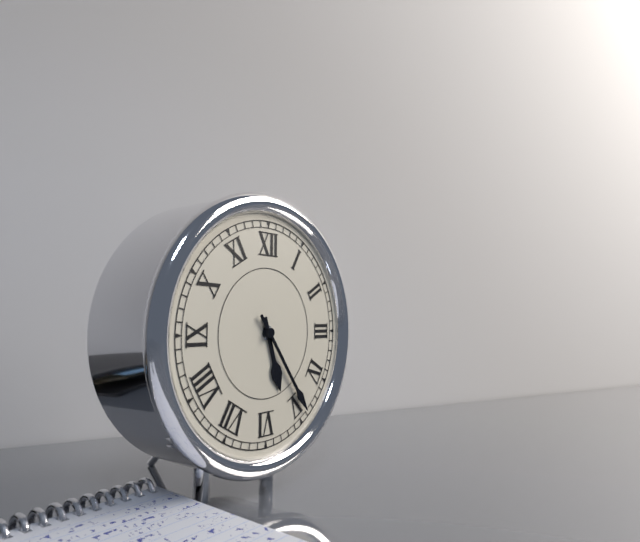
5:24
